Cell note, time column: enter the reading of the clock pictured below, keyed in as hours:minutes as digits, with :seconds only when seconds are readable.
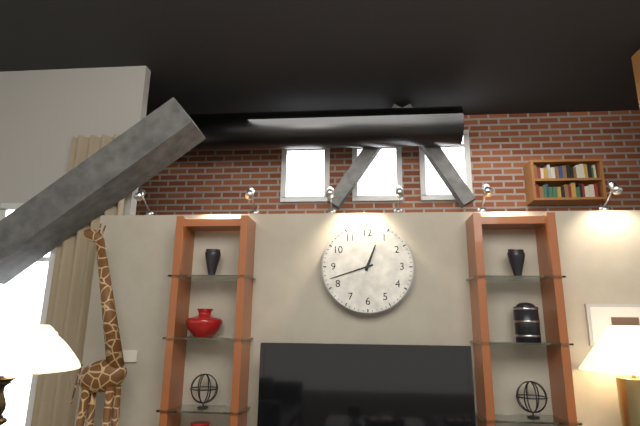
12:42
